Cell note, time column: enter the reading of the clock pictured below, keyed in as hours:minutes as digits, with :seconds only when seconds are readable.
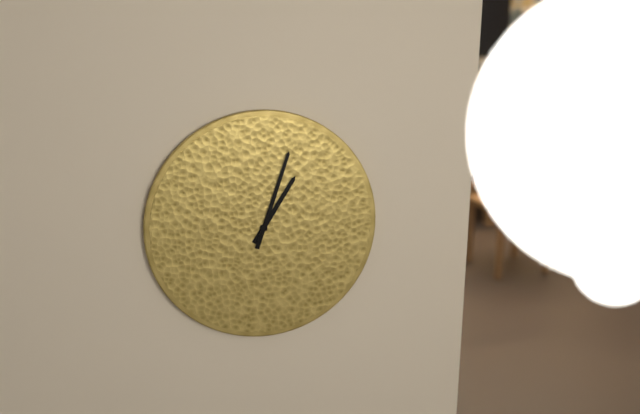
1:03
